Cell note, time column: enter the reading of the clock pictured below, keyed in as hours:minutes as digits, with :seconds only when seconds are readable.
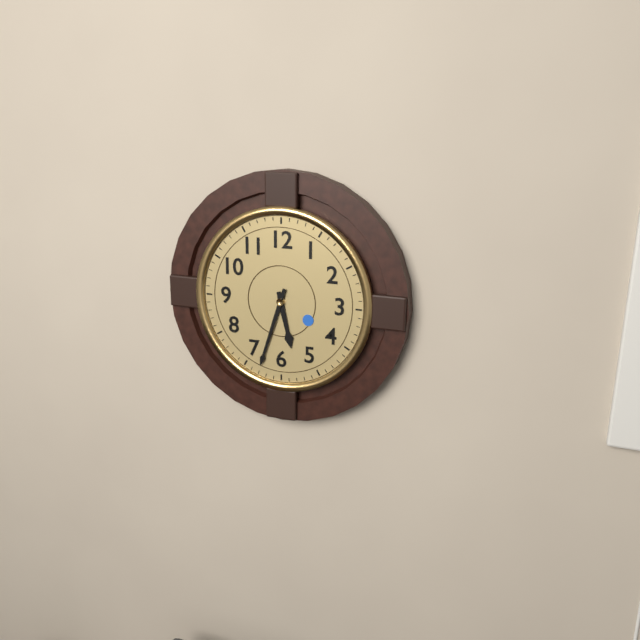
5:33
